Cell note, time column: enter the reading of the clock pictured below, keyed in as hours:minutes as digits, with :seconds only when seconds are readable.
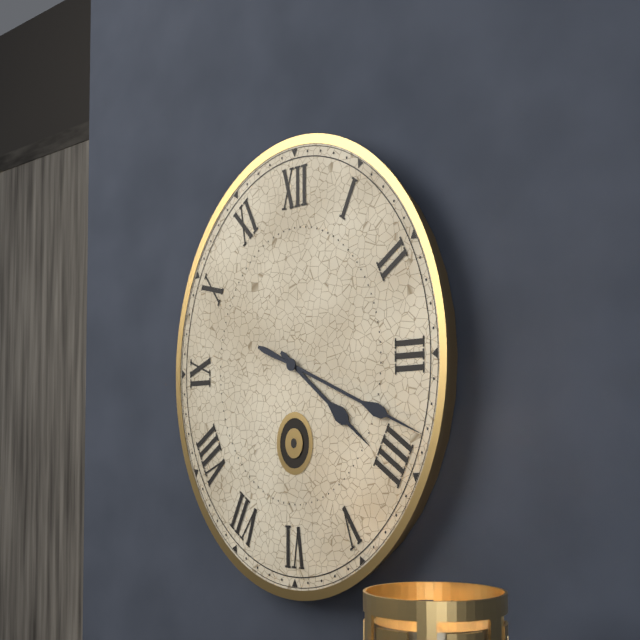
4:19
